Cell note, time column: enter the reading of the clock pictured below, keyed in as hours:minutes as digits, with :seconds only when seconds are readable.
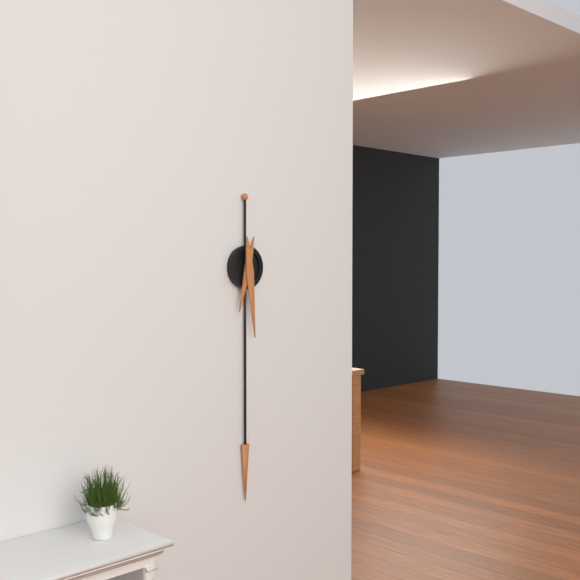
6:29
